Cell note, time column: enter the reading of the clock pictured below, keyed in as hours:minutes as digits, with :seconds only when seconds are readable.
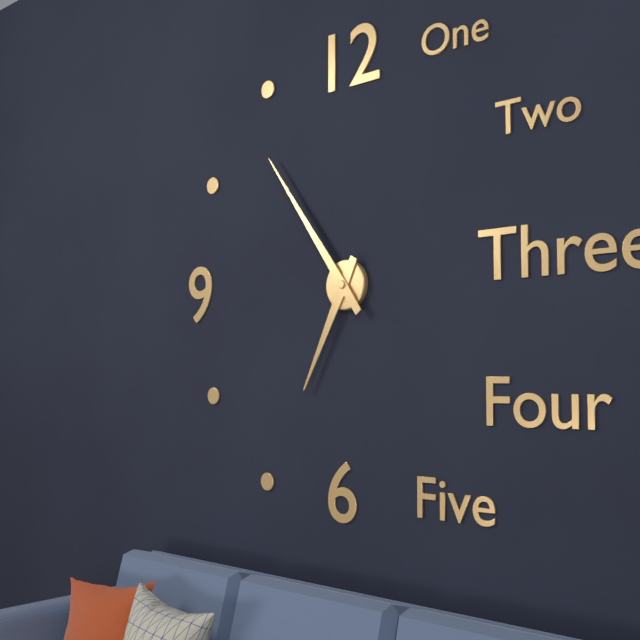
6:54
